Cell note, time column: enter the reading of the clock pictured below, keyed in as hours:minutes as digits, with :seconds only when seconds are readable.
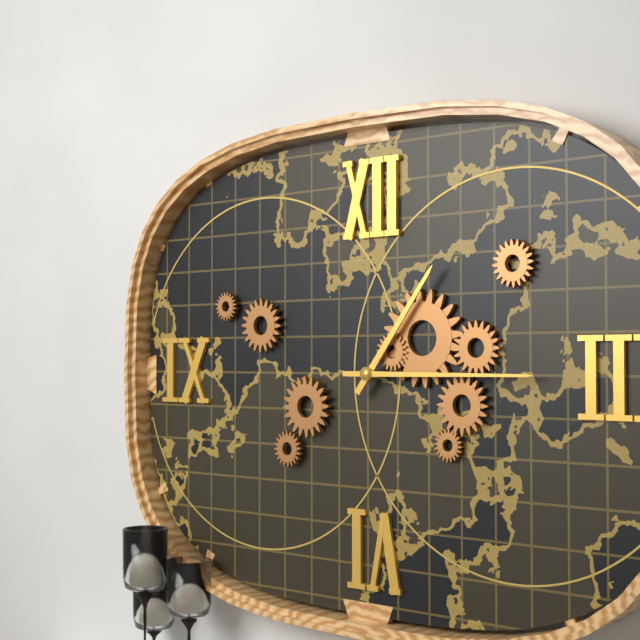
1:15
